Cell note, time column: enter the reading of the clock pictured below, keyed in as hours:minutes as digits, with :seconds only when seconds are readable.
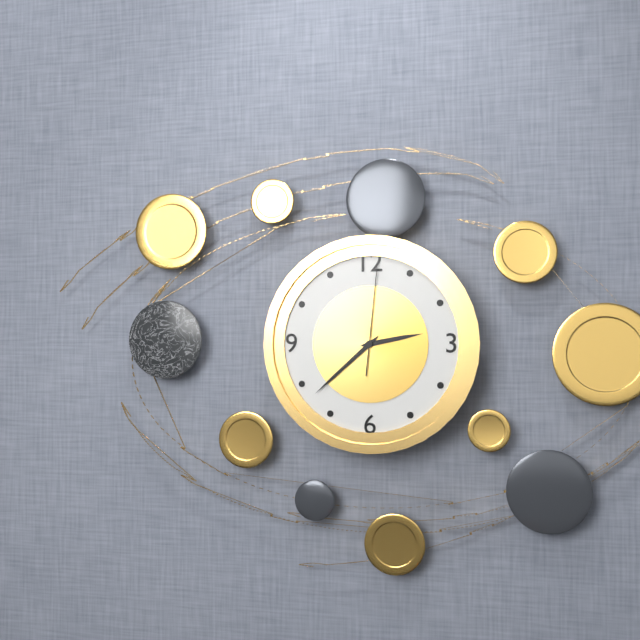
2:38:01
